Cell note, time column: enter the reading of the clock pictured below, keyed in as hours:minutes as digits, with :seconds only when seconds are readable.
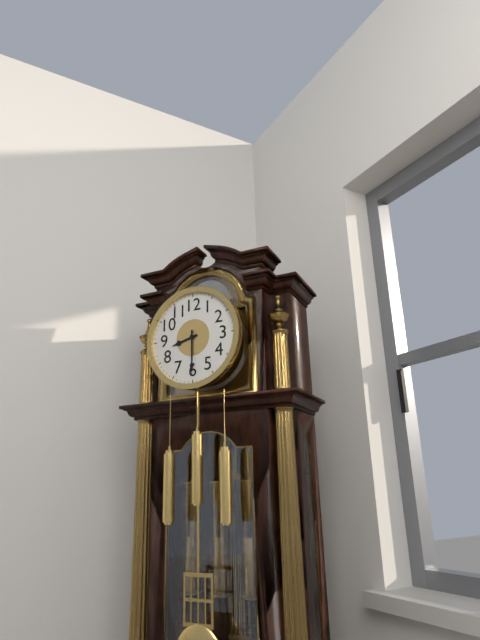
8:30
